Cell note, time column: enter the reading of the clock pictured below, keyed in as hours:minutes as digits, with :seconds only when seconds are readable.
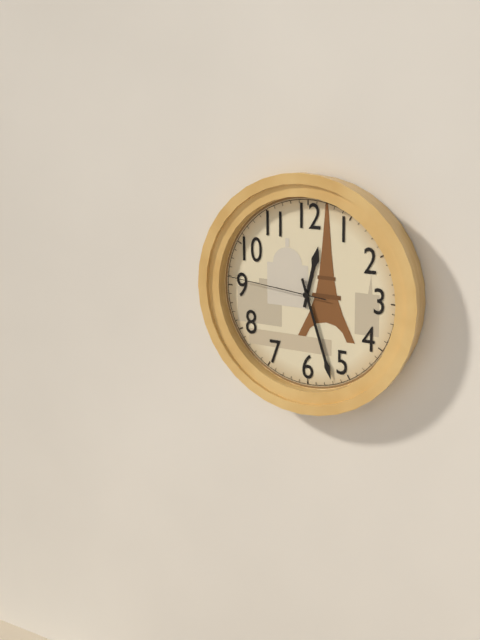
12:27:46
